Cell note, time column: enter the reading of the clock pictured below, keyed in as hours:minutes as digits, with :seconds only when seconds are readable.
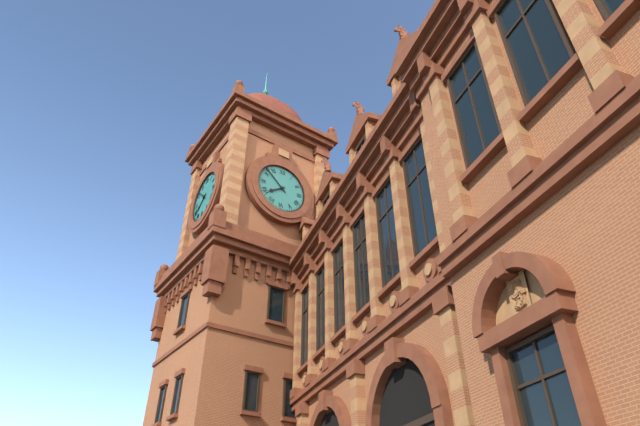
7:52
